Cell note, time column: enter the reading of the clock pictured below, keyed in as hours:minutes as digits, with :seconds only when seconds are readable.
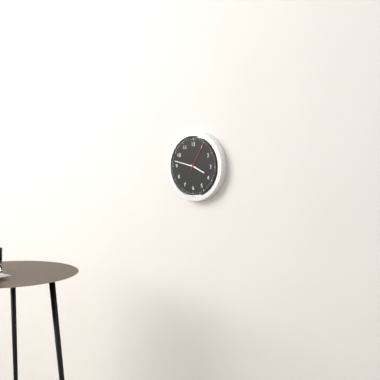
3:47
